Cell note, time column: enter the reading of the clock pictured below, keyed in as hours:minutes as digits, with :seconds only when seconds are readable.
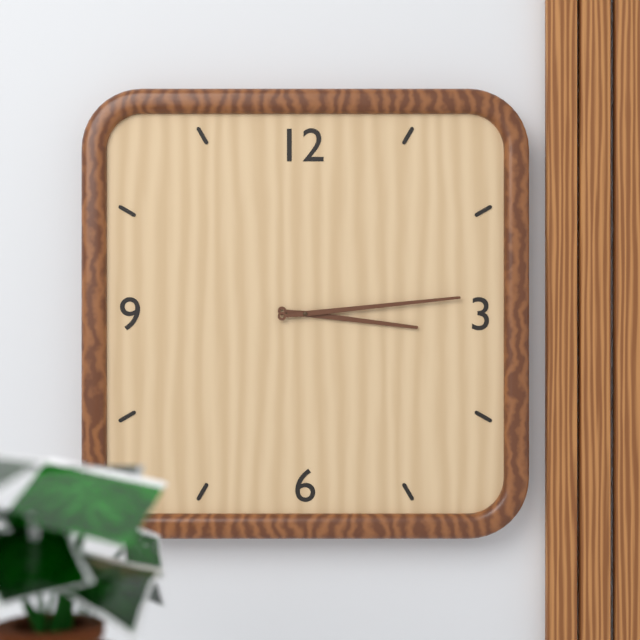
3:14
